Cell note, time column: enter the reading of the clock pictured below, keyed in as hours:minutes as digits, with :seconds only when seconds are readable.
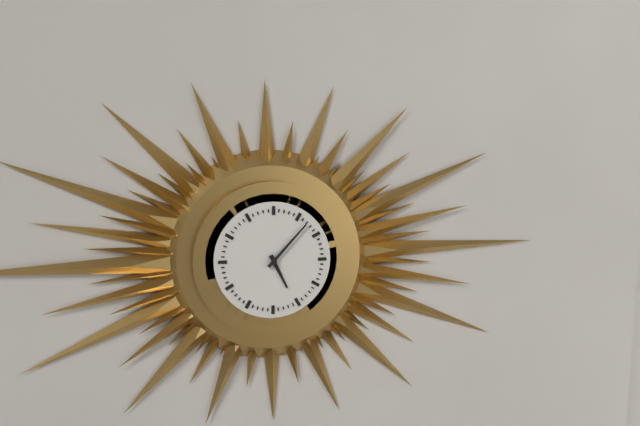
5:07
